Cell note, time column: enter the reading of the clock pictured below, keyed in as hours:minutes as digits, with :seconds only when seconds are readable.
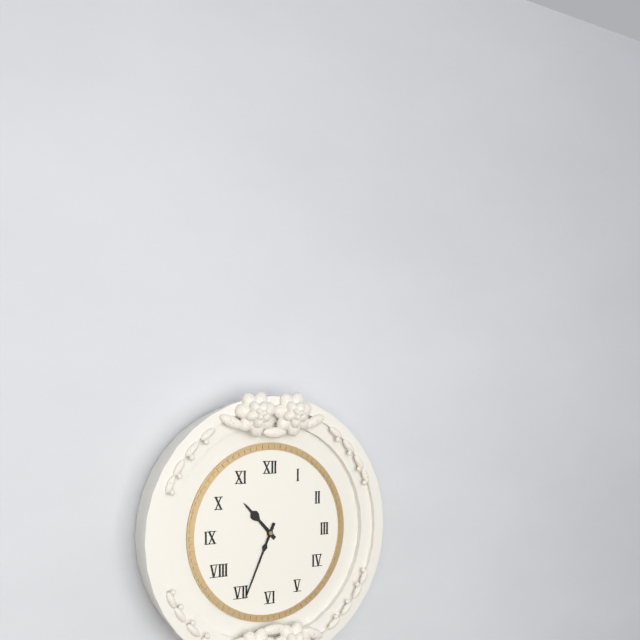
10:34
